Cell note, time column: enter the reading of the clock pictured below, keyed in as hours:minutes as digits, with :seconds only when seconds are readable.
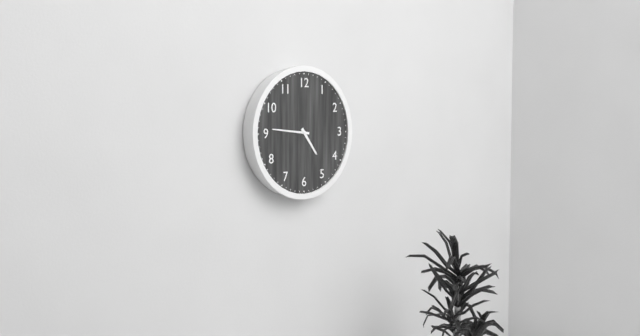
4:46
